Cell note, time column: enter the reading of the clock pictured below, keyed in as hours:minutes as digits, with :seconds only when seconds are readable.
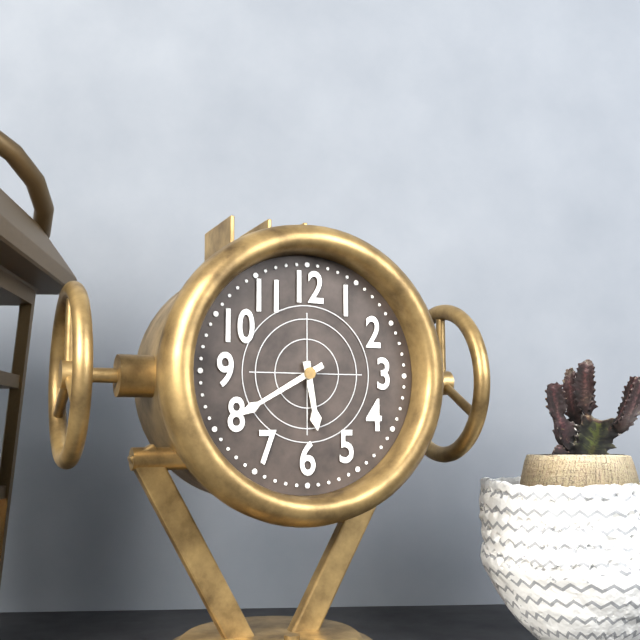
5:40
